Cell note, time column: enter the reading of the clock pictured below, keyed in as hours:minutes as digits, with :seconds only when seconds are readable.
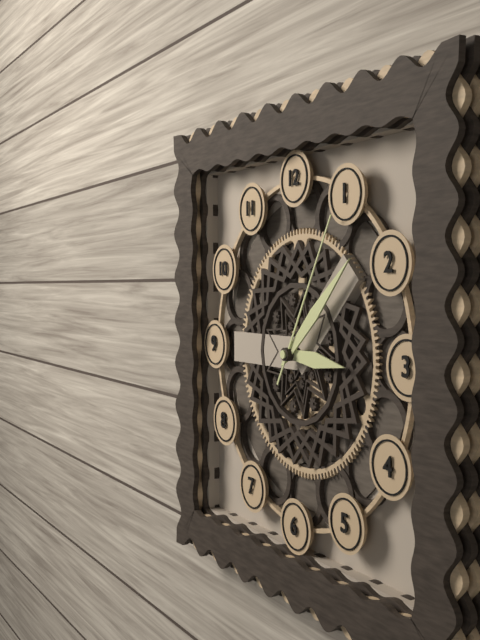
3:08:05
